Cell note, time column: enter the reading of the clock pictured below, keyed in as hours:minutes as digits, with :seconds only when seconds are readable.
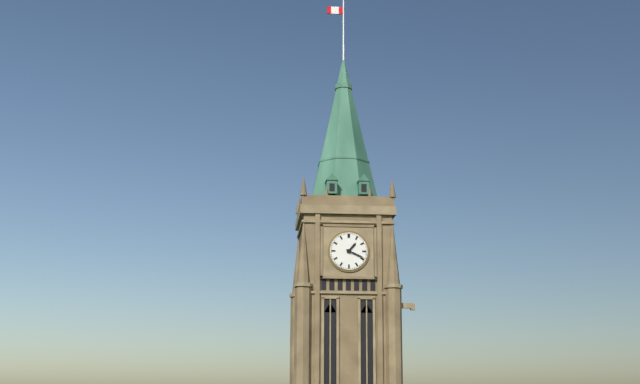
1:19
